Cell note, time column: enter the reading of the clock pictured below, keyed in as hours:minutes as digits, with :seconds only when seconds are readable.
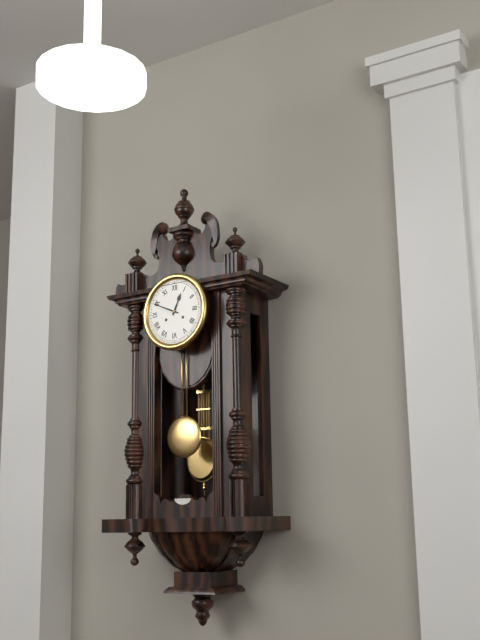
12:49
